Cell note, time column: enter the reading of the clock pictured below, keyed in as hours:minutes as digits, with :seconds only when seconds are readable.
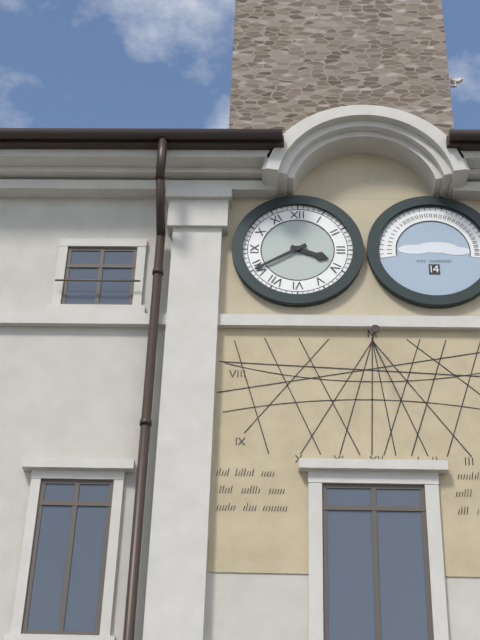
3:40
